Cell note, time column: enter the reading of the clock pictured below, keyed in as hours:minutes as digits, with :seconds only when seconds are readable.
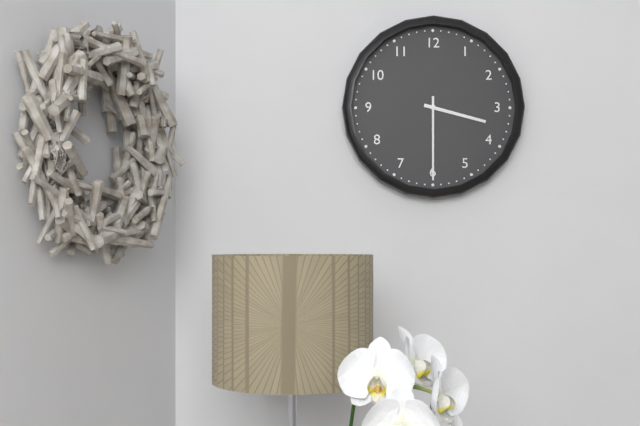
3:30
